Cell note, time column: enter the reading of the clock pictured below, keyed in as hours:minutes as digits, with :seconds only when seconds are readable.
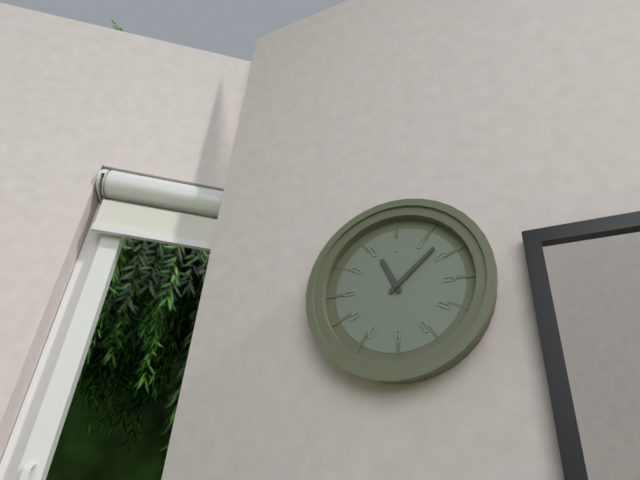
11:08
